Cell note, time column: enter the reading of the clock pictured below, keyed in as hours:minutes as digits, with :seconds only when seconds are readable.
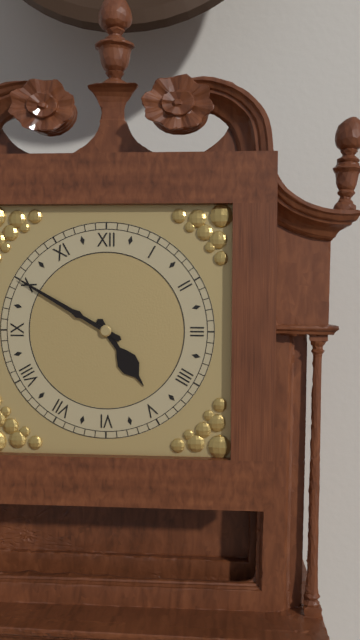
4:50
